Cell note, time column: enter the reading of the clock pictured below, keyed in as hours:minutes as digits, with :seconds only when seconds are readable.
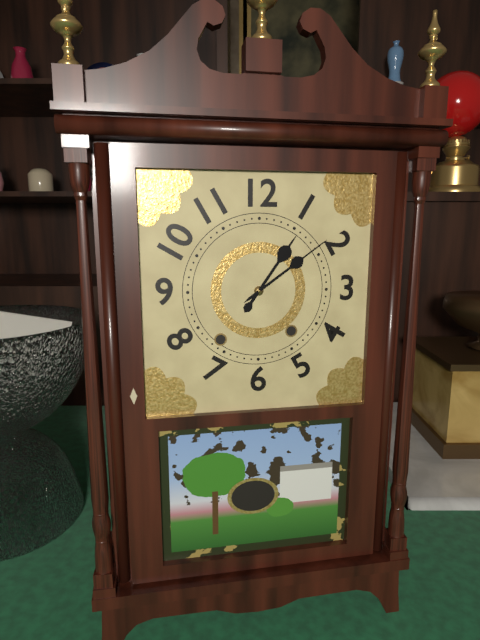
1:09
